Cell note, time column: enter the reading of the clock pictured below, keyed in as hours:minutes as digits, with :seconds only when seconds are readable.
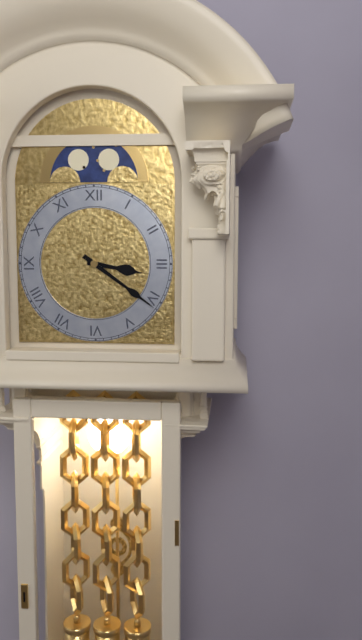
3:21
